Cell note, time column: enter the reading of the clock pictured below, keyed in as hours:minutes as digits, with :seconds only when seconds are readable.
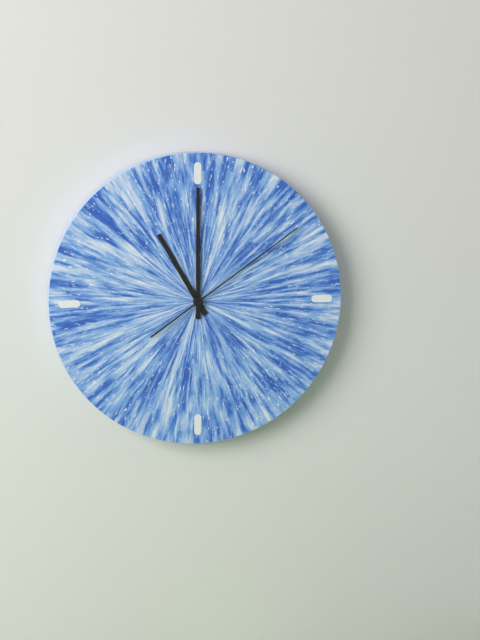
11:00:09
